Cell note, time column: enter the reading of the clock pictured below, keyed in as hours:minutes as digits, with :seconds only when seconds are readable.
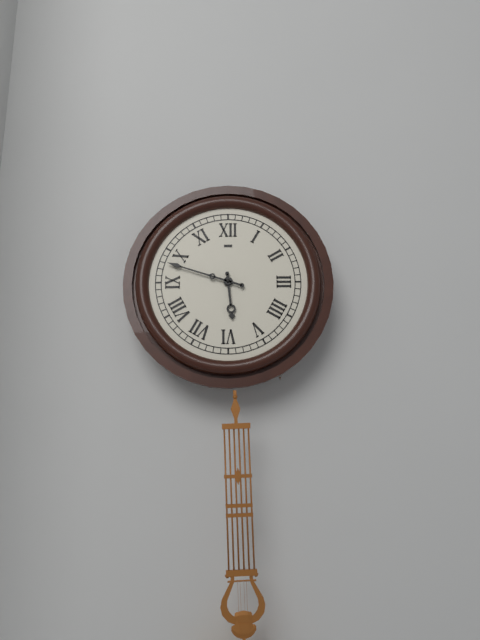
5:48
